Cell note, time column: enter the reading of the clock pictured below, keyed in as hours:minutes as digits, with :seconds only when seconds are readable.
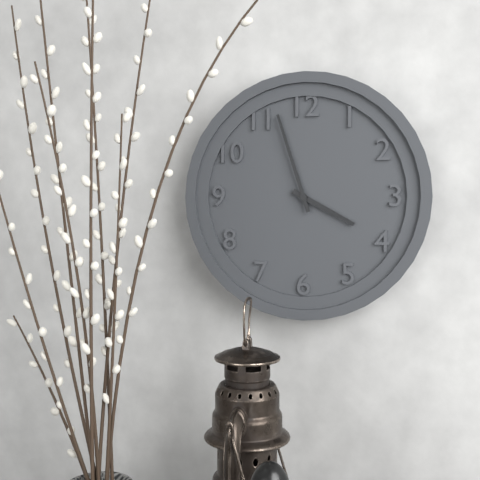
3:57
